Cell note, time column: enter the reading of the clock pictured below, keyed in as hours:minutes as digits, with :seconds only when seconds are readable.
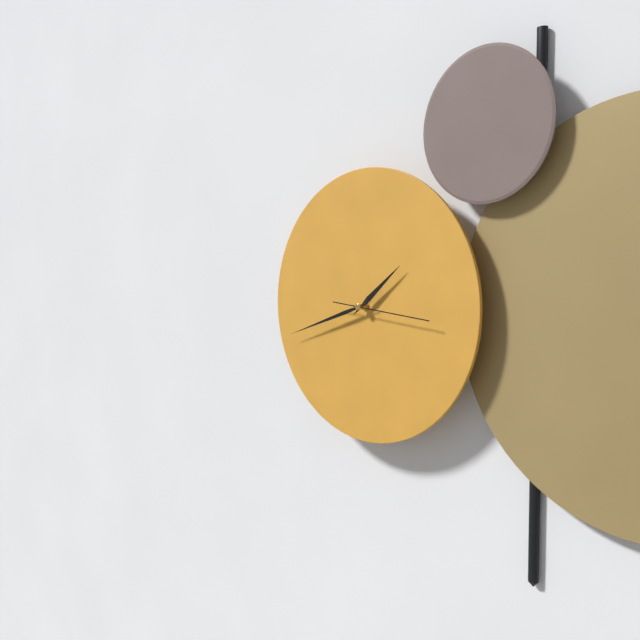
1:42:16
